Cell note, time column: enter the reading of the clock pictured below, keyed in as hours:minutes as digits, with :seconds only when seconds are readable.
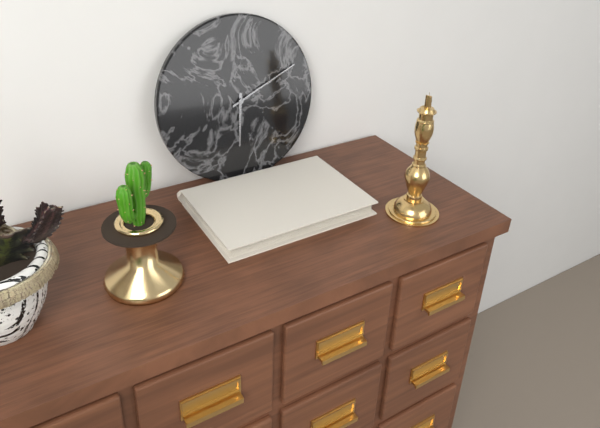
6:11
